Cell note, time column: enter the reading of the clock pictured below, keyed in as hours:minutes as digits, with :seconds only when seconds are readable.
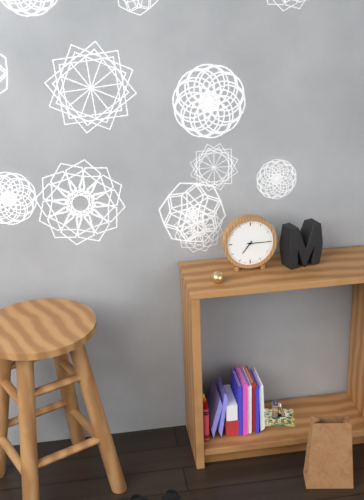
7:15
